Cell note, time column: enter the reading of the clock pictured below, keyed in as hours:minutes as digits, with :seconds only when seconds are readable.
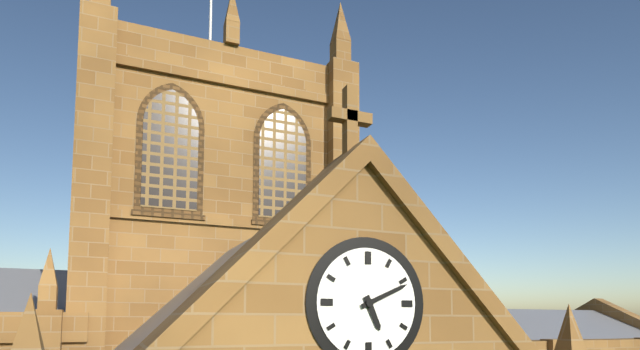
5:11
